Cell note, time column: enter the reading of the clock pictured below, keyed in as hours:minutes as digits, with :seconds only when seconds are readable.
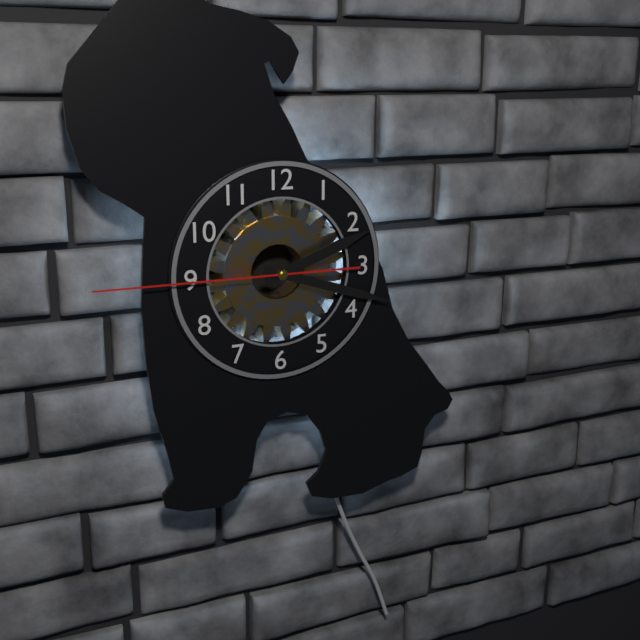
2:18:45
